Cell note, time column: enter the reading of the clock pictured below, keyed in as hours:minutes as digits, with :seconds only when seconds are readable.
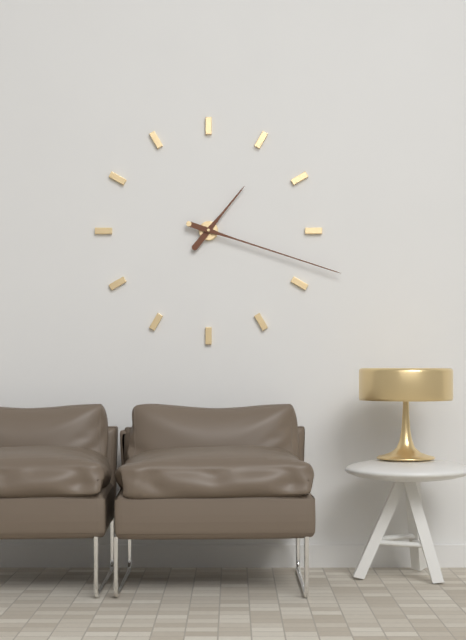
1:18
